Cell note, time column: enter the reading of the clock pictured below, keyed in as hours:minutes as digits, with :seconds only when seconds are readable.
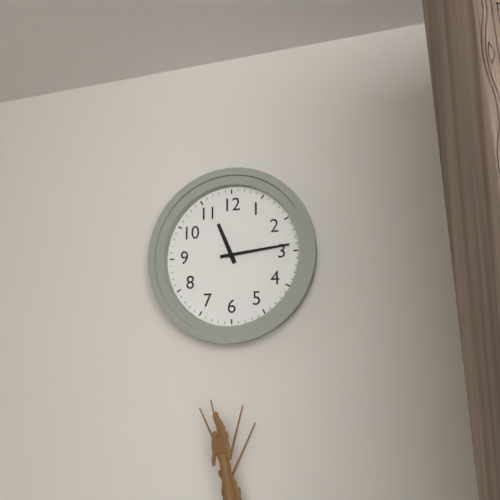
11:14
